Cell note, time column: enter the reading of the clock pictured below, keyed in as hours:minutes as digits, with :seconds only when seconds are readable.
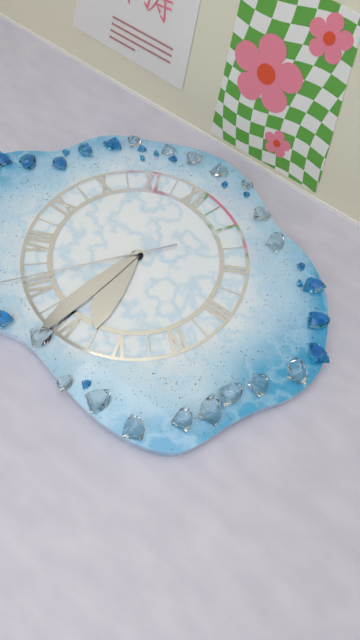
5:31
